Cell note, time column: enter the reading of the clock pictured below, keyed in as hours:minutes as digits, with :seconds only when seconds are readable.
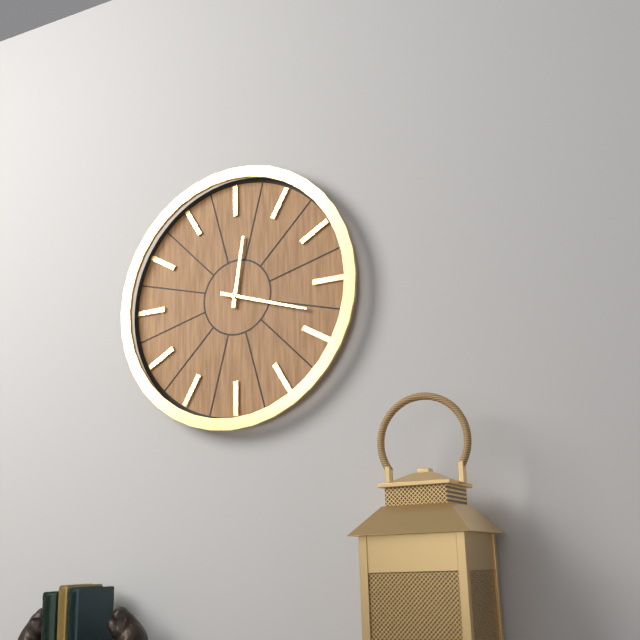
12:18
